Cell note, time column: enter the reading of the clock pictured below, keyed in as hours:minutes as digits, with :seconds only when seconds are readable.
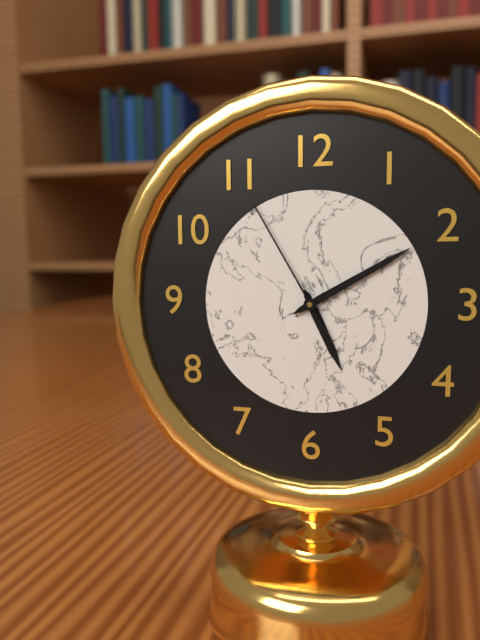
5:10:55
